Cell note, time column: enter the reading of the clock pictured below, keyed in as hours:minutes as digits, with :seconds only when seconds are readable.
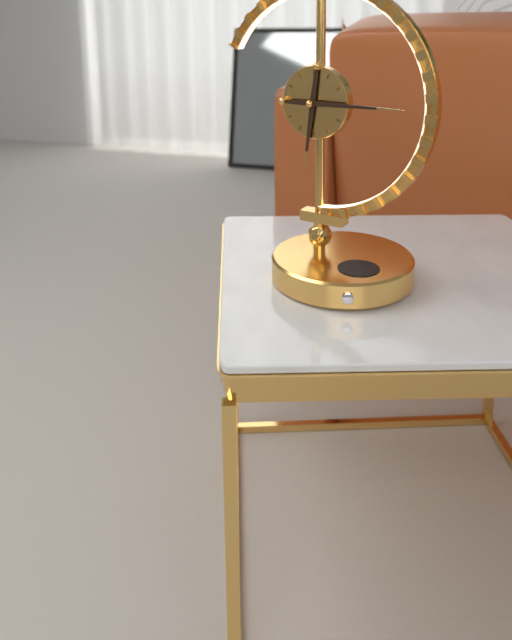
6:15
